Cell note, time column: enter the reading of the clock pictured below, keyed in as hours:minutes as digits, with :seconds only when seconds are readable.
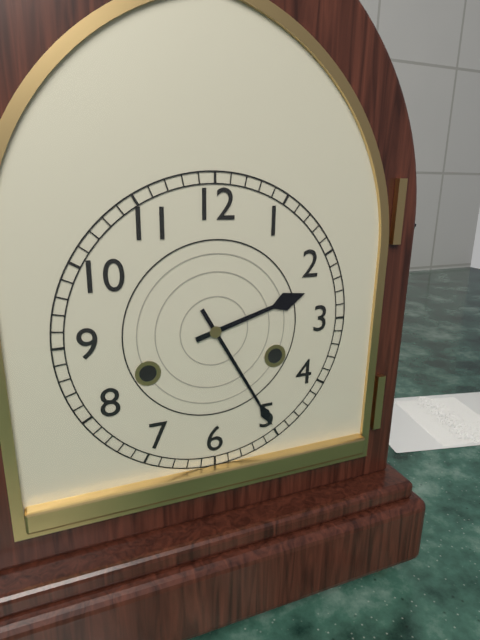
2:25
